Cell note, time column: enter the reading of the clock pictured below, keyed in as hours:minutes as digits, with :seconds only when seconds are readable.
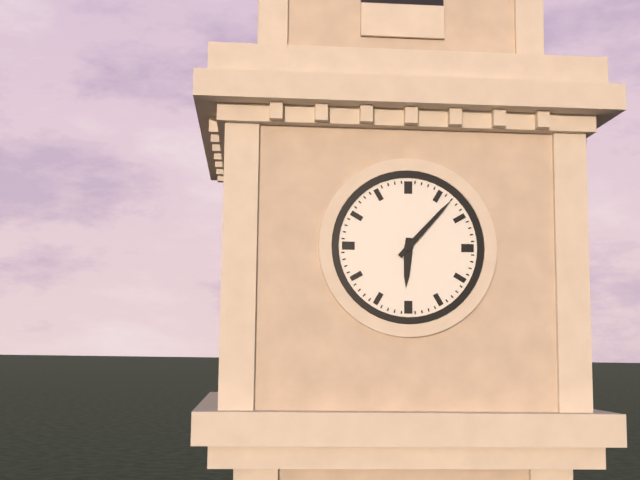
6:07
